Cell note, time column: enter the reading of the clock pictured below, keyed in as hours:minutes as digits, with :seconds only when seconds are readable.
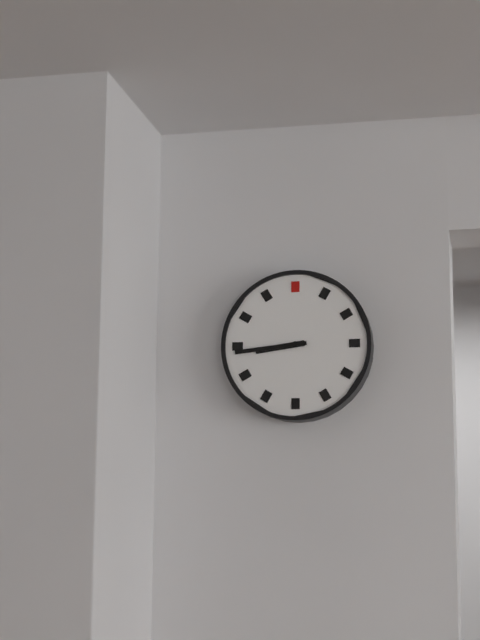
8:44
